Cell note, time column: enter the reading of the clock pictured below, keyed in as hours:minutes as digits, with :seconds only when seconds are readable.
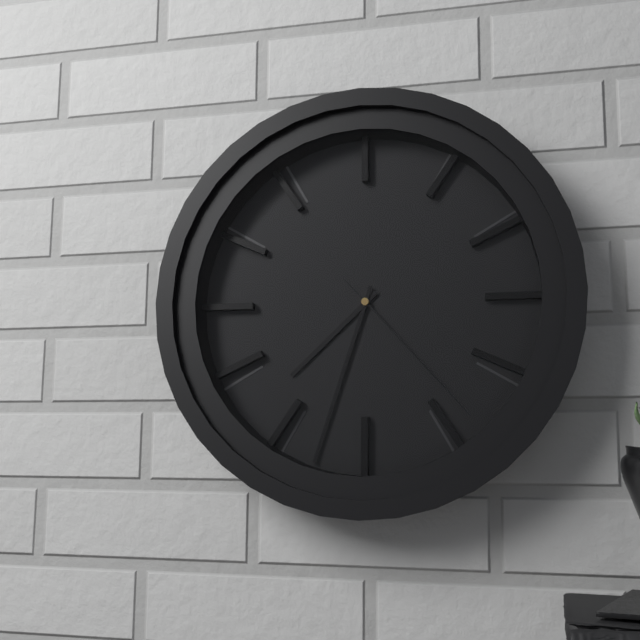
7:33:23
